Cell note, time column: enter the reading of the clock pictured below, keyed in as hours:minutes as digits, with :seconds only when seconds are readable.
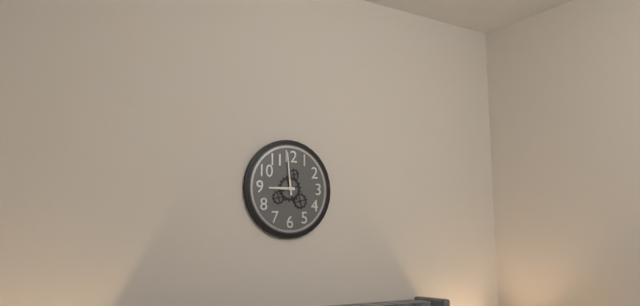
8:59
